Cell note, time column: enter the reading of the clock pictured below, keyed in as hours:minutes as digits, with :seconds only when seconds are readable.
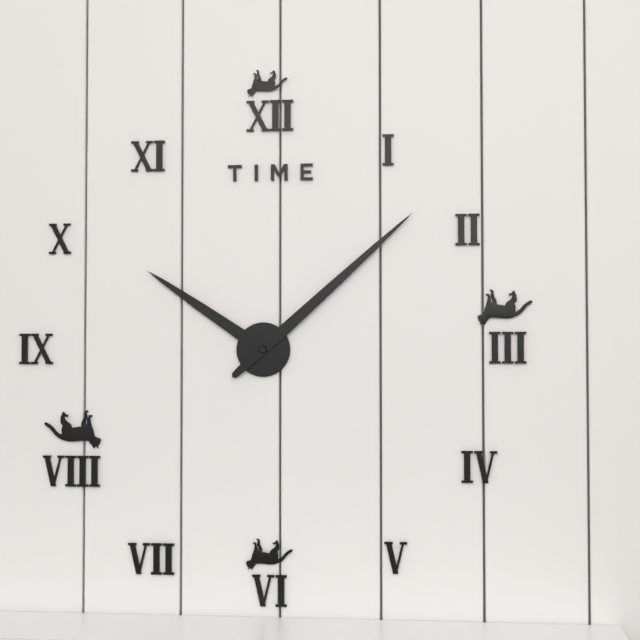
10:08
